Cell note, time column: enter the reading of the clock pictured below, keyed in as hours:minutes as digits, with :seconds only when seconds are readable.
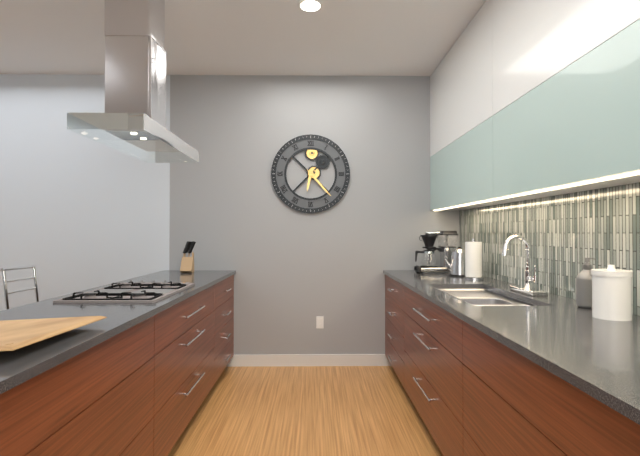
6:23
